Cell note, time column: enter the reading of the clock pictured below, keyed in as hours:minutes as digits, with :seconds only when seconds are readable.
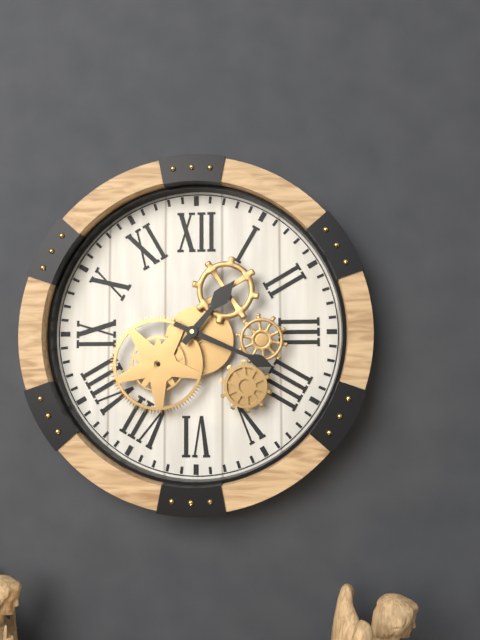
1:19
